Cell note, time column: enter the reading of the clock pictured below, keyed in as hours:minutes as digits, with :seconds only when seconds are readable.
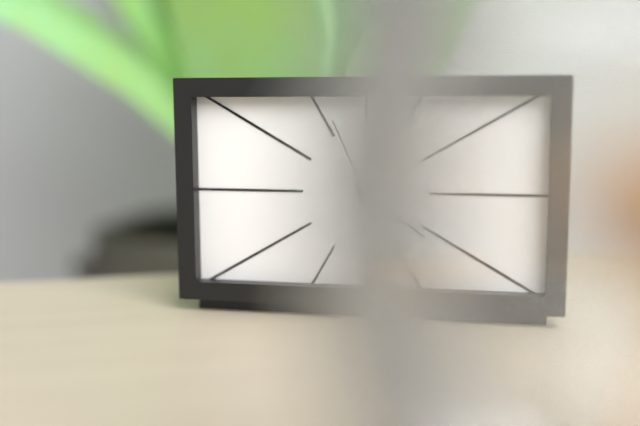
4:21:56
